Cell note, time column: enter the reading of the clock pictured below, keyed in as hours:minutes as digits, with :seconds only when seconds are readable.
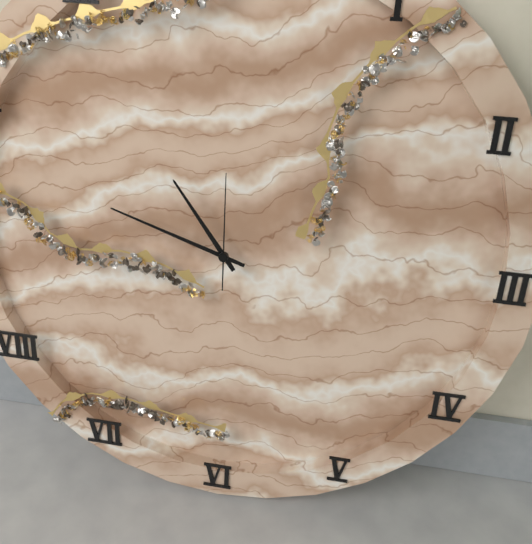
10:48:00
